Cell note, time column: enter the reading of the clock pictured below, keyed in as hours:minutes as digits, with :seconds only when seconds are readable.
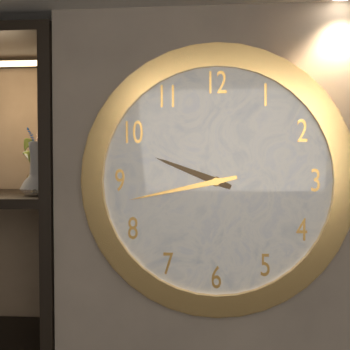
9:43
